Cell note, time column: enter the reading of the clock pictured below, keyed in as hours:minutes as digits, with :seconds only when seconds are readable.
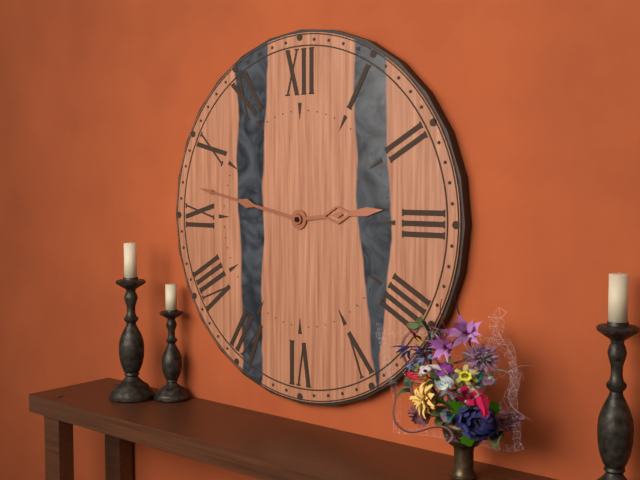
2:47
